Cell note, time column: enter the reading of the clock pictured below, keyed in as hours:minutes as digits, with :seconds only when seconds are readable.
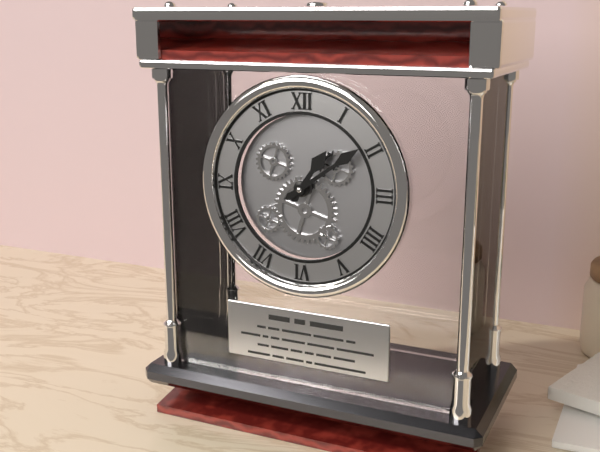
1:09
